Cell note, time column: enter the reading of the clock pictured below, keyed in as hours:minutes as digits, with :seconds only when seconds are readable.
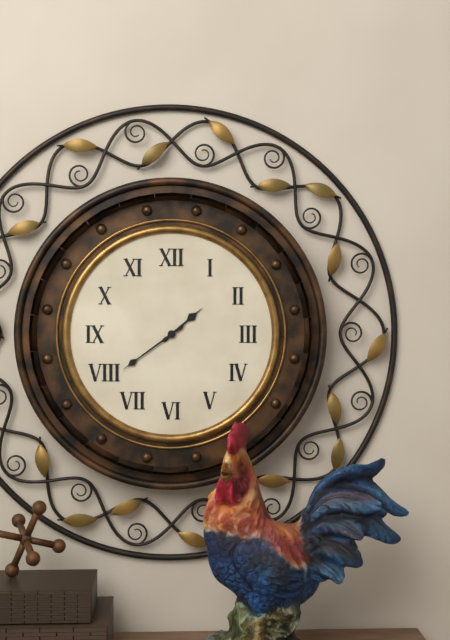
1:39
